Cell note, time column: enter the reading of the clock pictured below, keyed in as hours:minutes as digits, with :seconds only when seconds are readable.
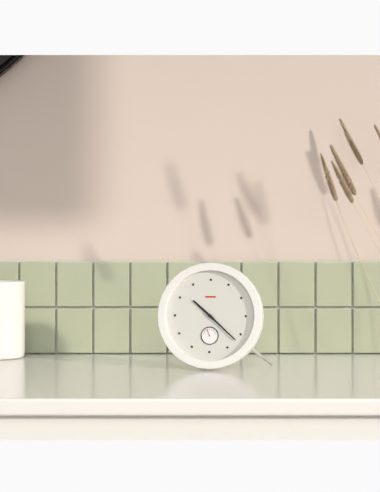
10:22
